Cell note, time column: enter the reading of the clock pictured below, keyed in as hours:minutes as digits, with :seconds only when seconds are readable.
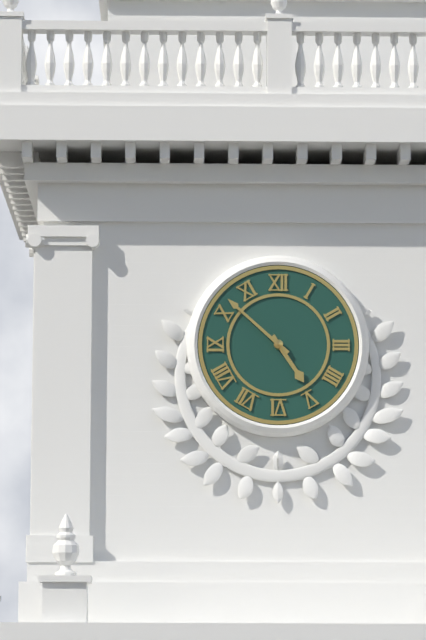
4:52
